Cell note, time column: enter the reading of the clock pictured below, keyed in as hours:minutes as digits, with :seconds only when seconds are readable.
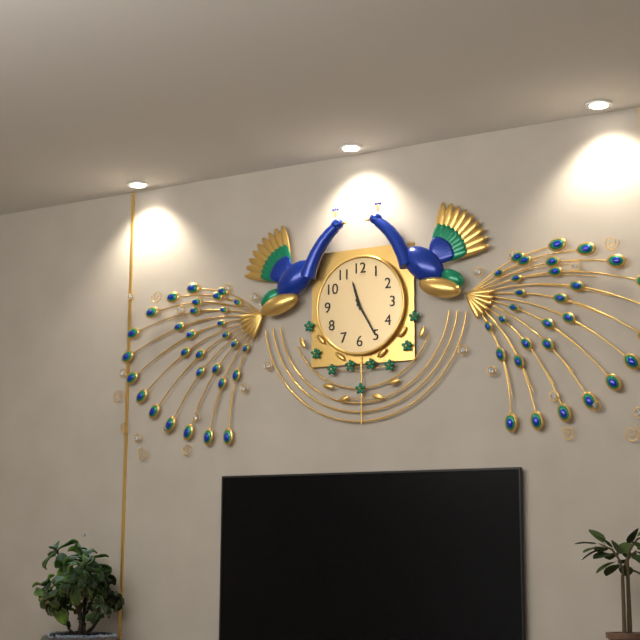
11:25
